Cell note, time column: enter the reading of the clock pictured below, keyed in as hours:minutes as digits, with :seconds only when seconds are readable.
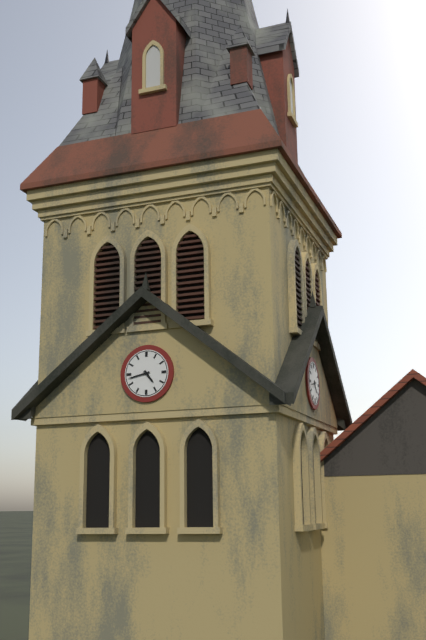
4:43
